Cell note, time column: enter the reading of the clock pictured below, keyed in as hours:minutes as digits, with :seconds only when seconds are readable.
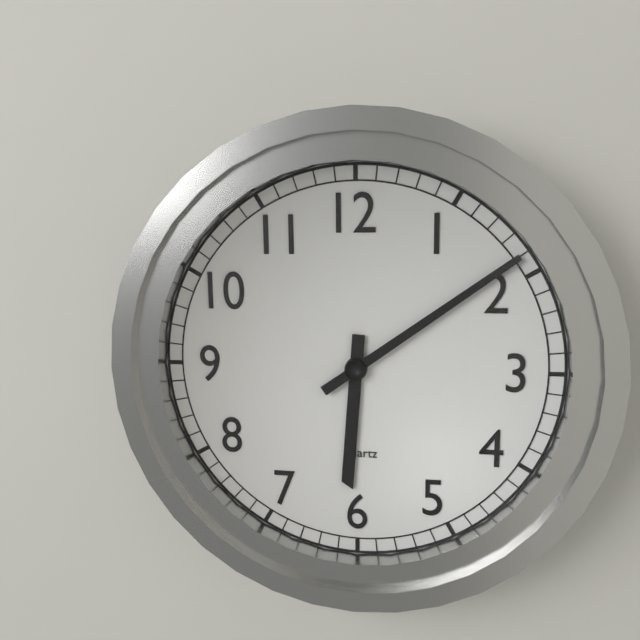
6:09
